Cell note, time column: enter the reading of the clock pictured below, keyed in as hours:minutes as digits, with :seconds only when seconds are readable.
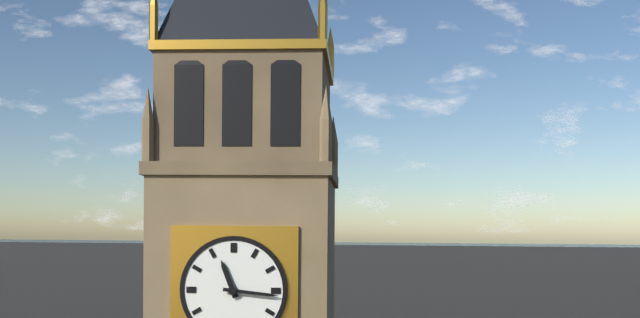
11:16
